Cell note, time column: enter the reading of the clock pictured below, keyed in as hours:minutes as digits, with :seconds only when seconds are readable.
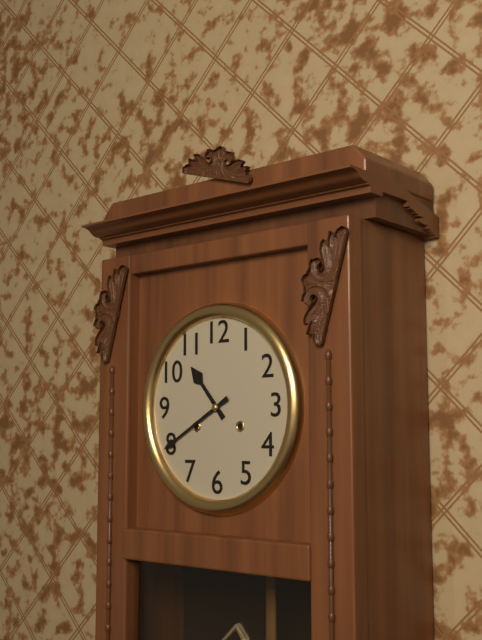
10:40
